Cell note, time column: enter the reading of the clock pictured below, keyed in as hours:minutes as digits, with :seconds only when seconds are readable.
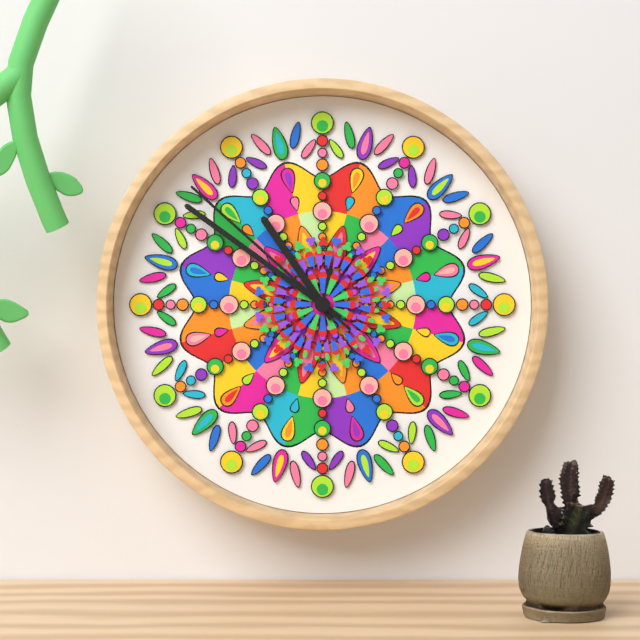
10:51:52
